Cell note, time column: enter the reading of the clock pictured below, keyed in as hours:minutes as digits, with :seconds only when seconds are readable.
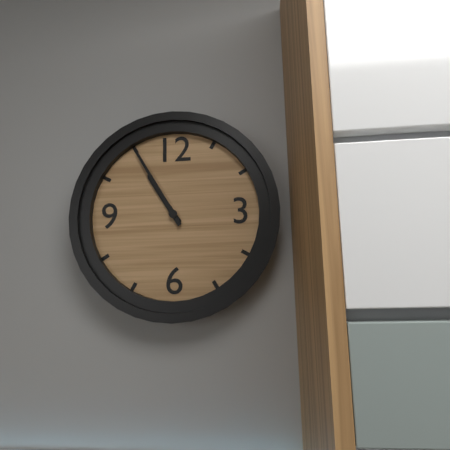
10:55
